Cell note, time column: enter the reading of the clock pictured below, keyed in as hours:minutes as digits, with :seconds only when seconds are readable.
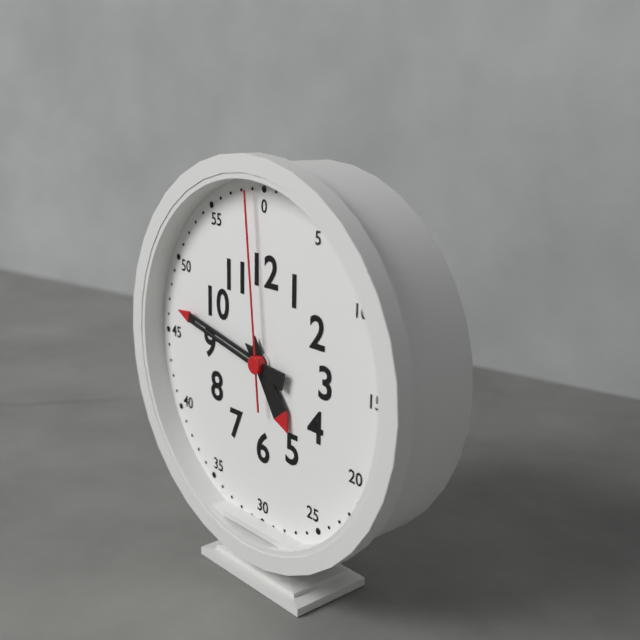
4:47:59
